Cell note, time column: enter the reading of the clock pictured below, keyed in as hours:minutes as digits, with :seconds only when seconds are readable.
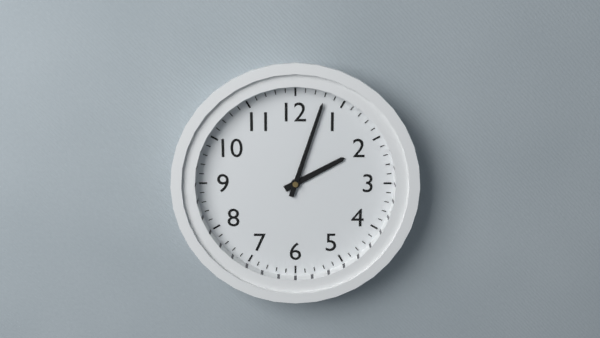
2:03
